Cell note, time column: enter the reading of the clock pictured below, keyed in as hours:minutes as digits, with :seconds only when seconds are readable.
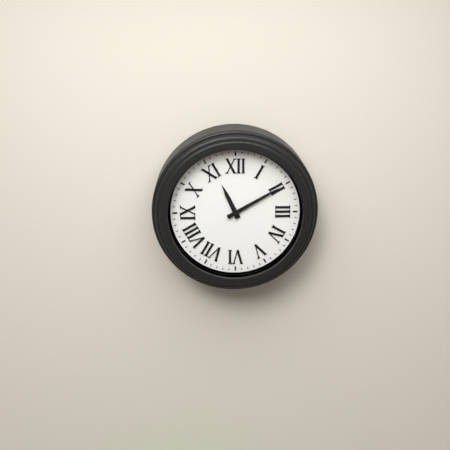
11:10
